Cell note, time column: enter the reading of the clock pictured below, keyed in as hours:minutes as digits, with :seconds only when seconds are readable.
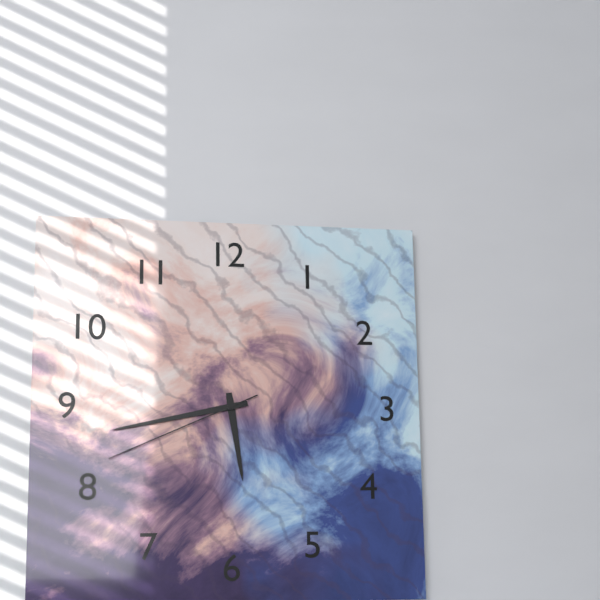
5:43:41
